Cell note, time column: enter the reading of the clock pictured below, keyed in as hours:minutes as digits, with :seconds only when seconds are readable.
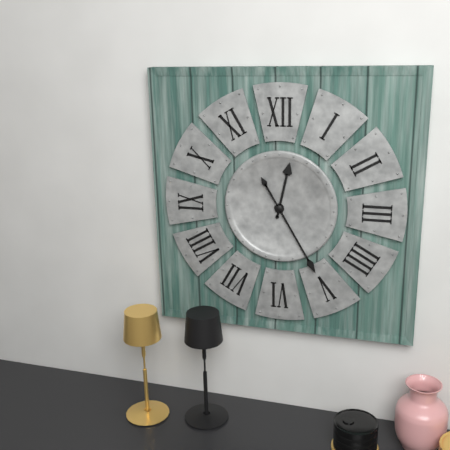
12:25
